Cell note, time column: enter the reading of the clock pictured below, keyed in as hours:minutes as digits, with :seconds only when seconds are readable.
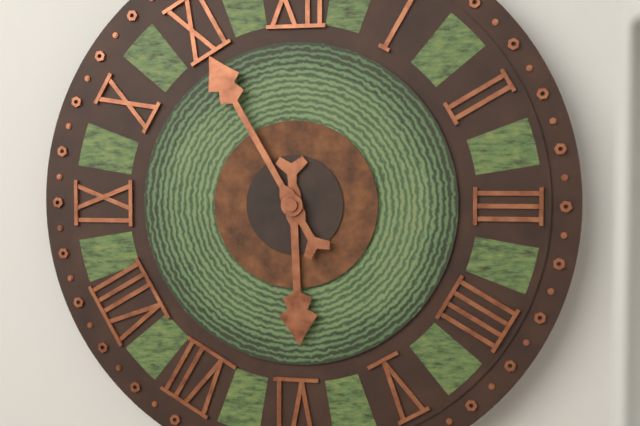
5:55
